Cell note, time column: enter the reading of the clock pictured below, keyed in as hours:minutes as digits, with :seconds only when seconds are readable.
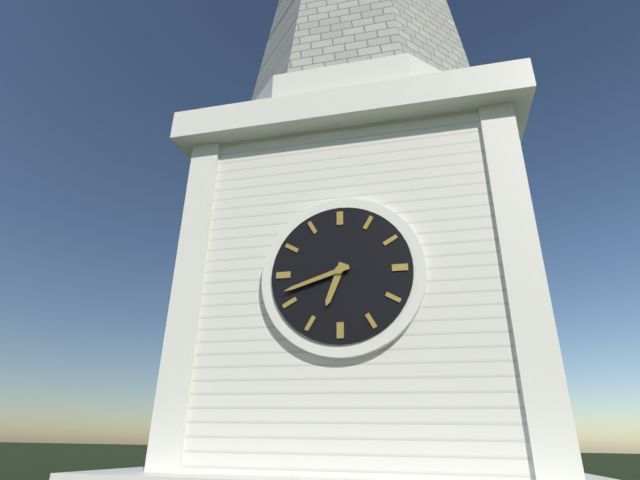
6:42
